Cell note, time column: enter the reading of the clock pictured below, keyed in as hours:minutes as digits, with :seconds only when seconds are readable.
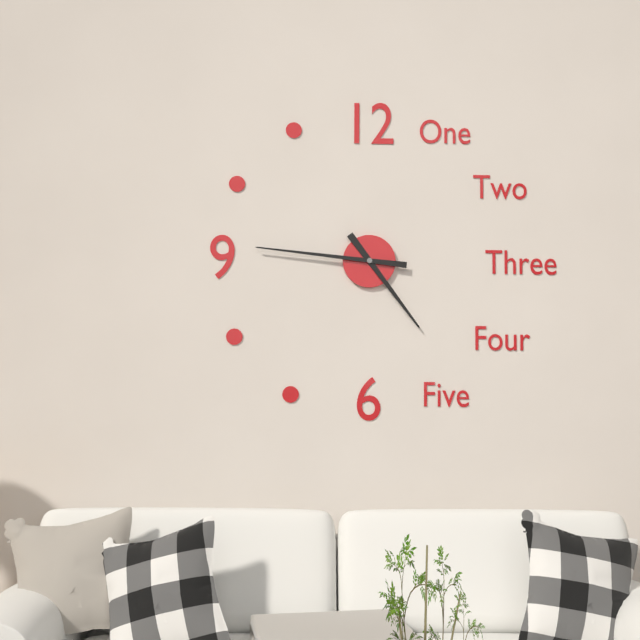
4:46
